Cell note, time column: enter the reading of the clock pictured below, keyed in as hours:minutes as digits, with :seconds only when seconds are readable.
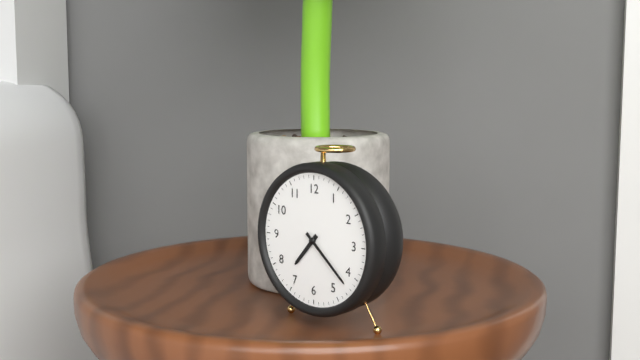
7:22
